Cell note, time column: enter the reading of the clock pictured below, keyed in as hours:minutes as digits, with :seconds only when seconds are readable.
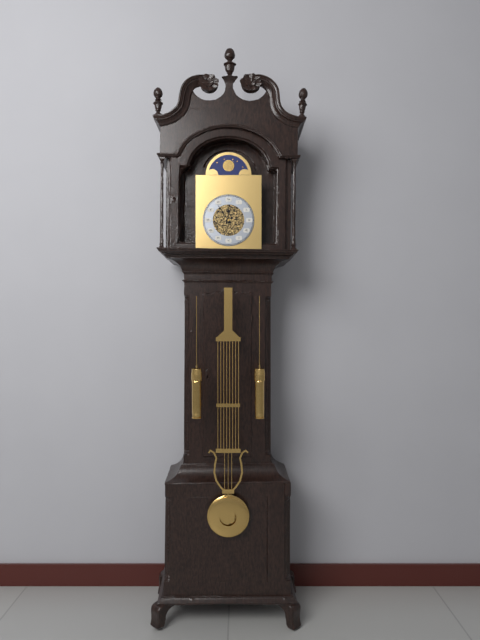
11:54
